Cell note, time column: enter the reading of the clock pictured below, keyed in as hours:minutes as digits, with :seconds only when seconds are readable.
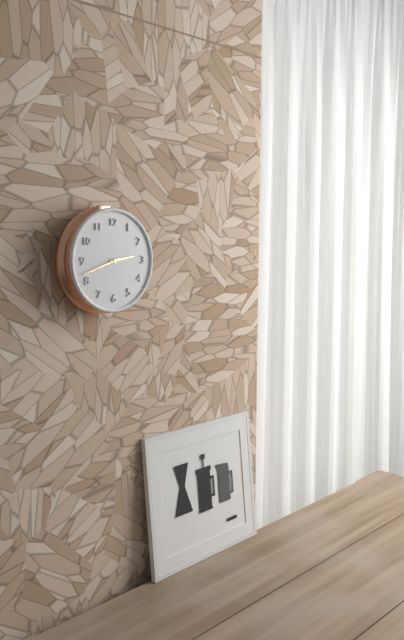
2:42
